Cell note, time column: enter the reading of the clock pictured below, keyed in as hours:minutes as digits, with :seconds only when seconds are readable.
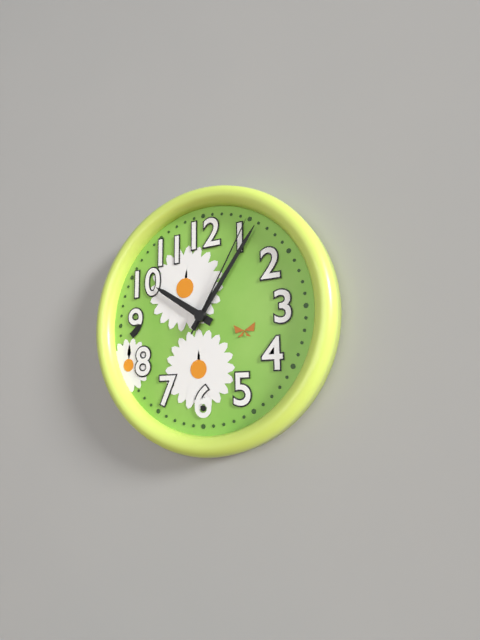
10:06:05
